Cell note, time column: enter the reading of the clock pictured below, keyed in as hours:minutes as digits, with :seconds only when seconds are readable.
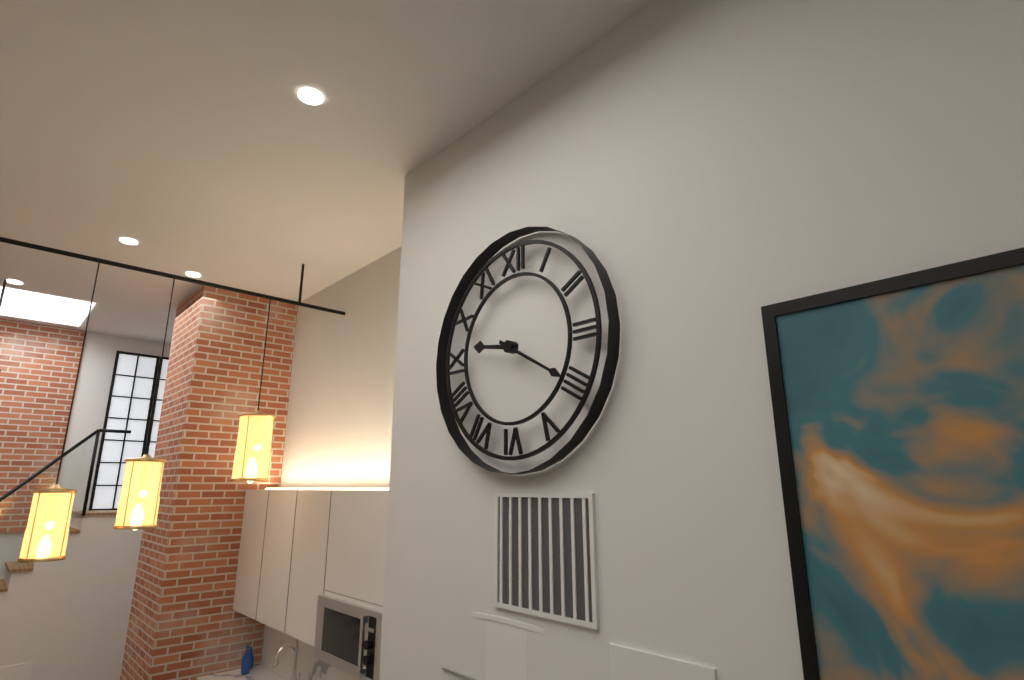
9:20
